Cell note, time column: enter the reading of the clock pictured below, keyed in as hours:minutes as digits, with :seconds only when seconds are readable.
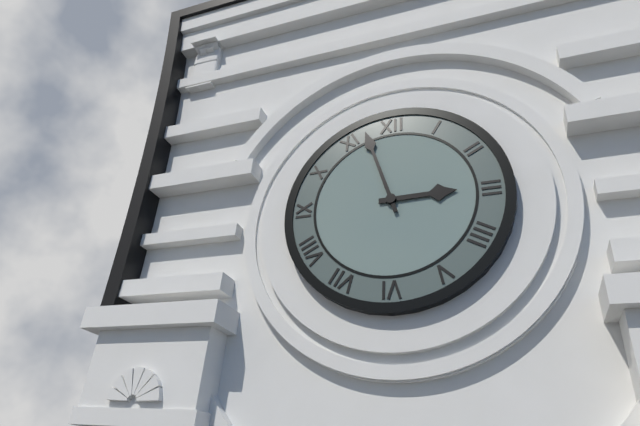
2:57
